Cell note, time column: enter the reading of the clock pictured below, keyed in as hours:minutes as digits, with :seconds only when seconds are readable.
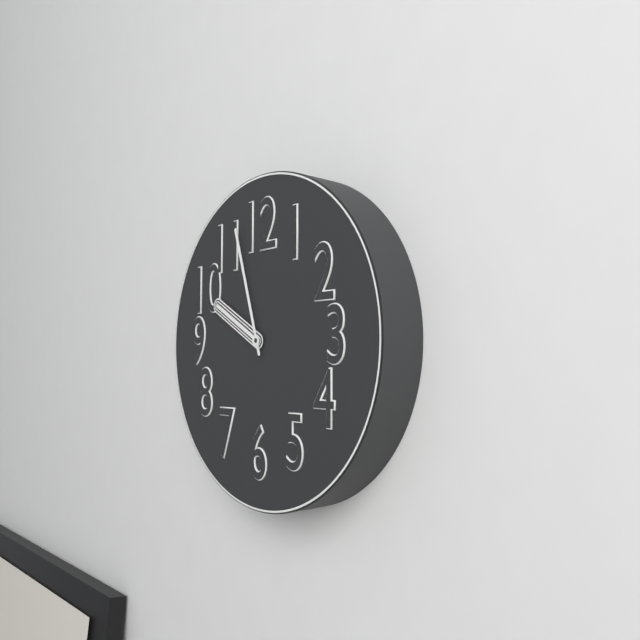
9:57
